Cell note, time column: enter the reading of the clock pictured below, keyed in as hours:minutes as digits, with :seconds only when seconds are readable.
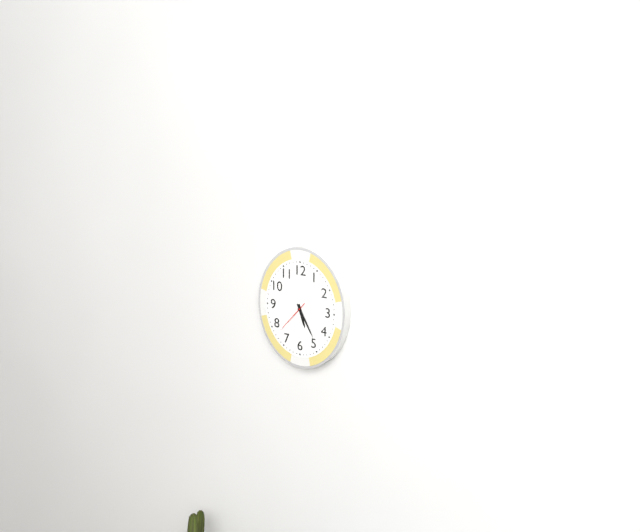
5:25
